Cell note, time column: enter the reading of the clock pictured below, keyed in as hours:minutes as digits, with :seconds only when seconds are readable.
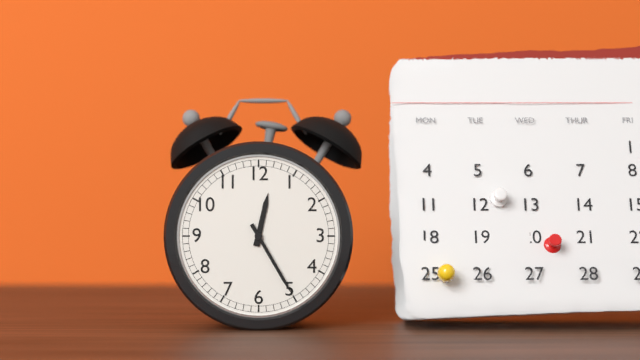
12:25
